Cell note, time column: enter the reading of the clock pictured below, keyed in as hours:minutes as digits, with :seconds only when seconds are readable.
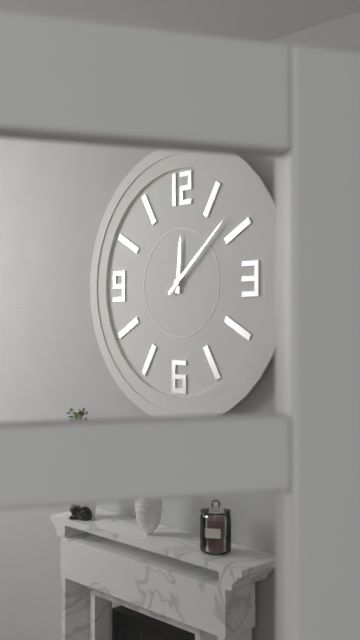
12:08
